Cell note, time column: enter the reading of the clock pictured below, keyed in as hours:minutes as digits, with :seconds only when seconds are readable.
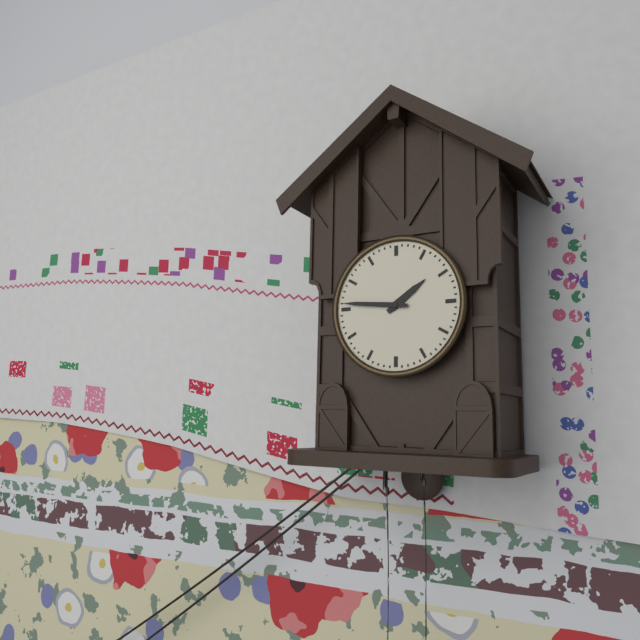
1:46
